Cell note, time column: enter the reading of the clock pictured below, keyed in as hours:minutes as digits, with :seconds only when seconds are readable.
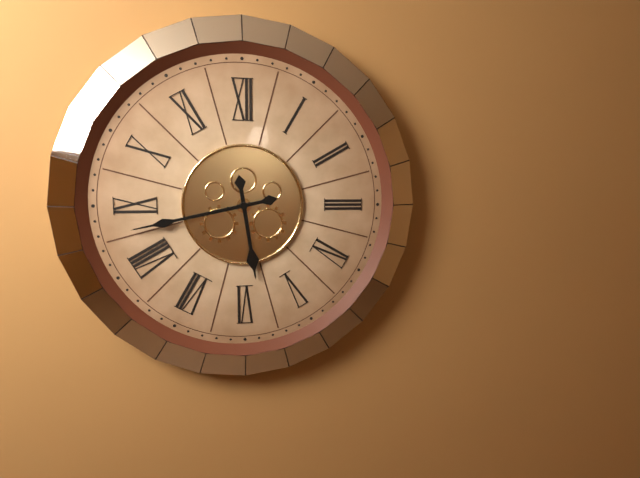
5:43
